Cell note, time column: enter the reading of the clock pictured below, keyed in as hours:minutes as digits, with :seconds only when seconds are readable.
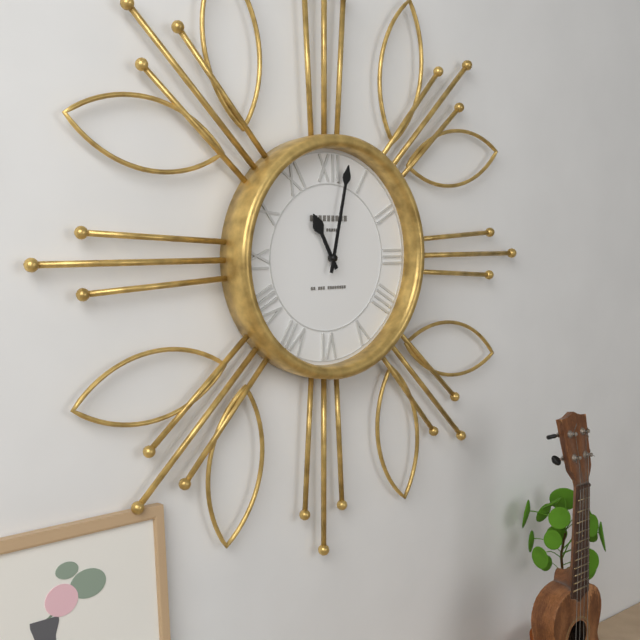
11:02
